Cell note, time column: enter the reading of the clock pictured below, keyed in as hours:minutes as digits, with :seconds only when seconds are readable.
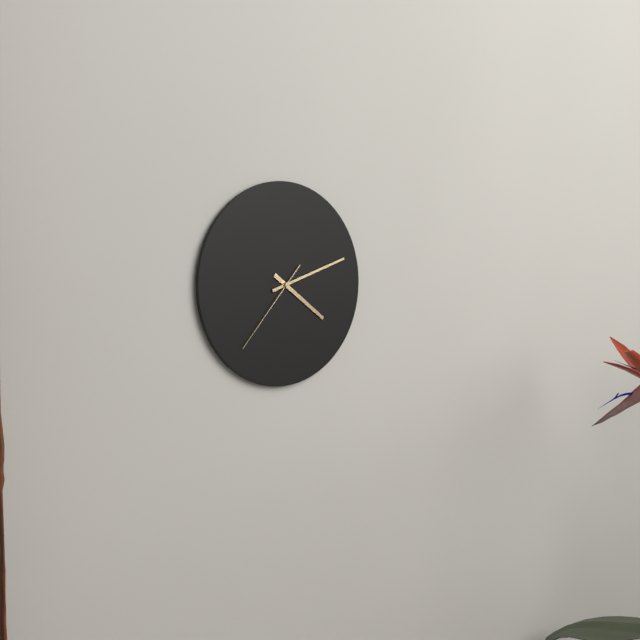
4:12:37
